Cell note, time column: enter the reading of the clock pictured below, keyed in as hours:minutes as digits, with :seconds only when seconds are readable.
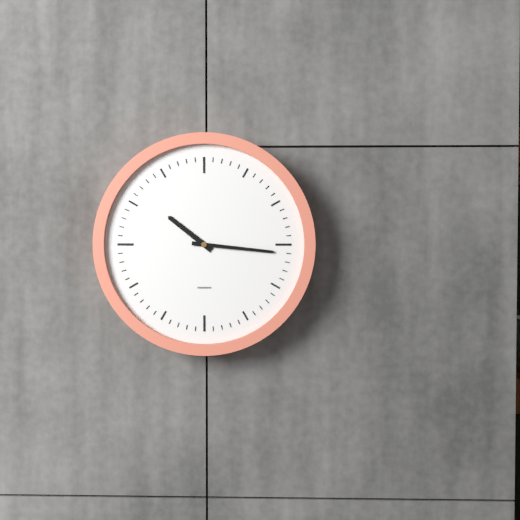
10:16
